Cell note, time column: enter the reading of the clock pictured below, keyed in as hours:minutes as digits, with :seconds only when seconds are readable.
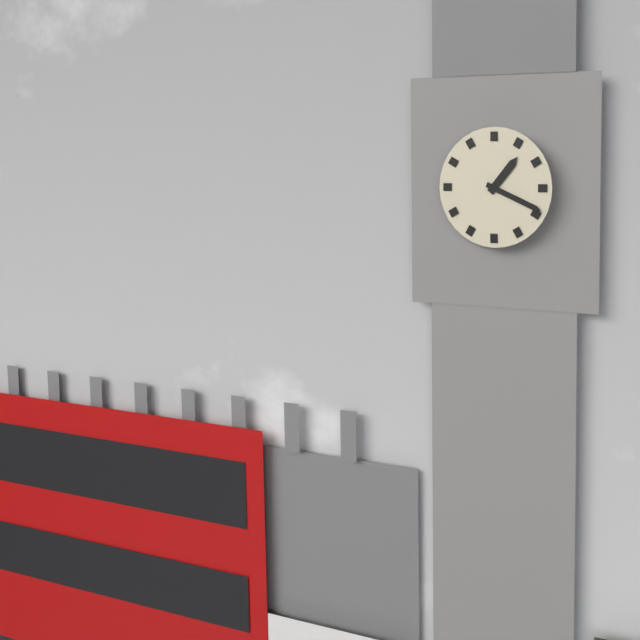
1:19
